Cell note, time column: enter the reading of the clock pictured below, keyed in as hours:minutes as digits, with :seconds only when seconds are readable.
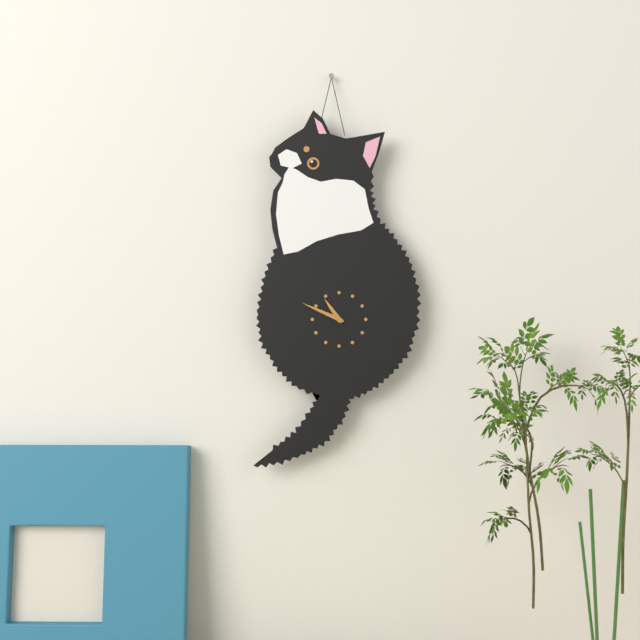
10:49
